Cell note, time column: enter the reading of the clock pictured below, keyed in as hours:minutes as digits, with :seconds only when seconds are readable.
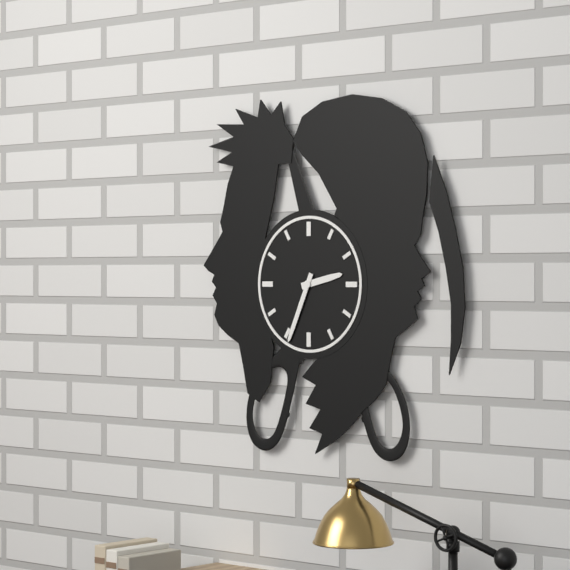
2:34
